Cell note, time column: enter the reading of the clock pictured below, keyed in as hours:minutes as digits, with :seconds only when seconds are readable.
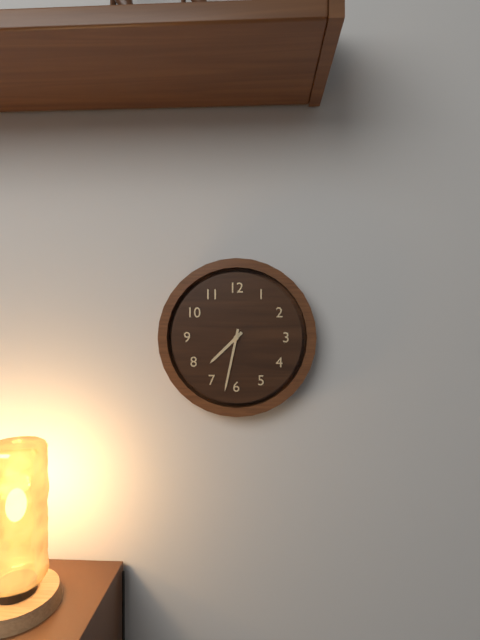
7:32
